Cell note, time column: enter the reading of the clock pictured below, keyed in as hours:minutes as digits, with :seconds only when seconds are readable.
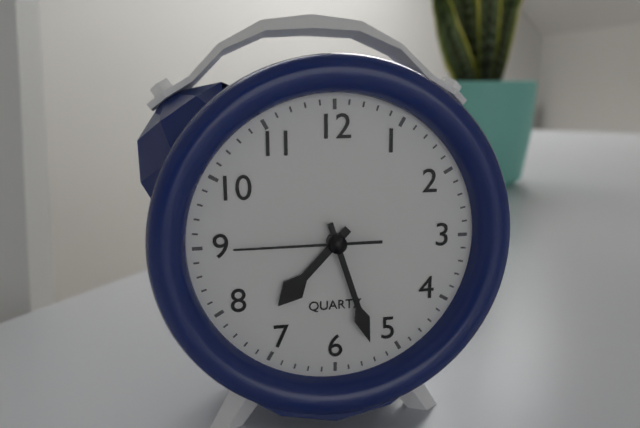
7:27:45
